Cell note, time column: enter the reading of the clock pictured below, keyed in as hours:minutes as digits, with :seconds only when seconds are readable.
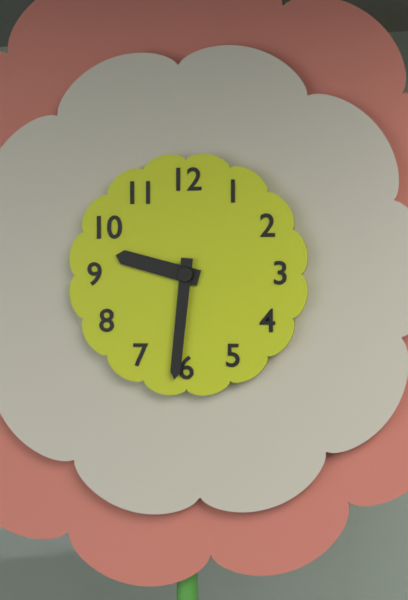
9:31
